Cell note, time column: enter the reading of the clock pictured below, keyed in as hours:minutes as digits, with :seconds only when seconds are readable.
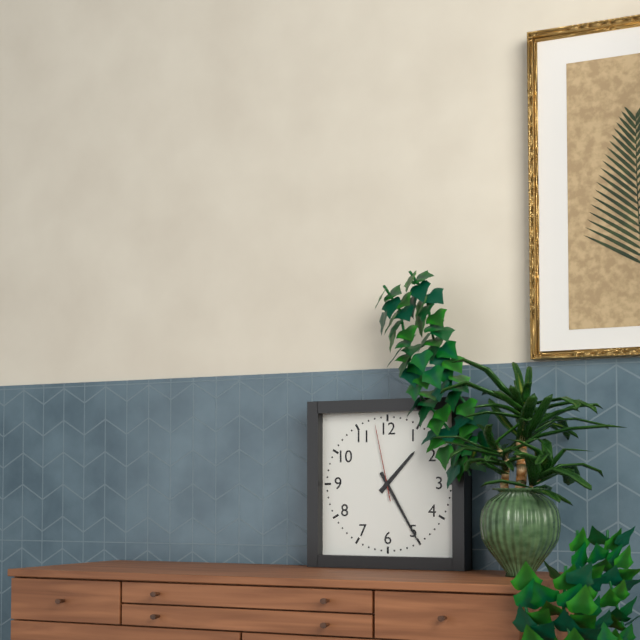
1:25:58
